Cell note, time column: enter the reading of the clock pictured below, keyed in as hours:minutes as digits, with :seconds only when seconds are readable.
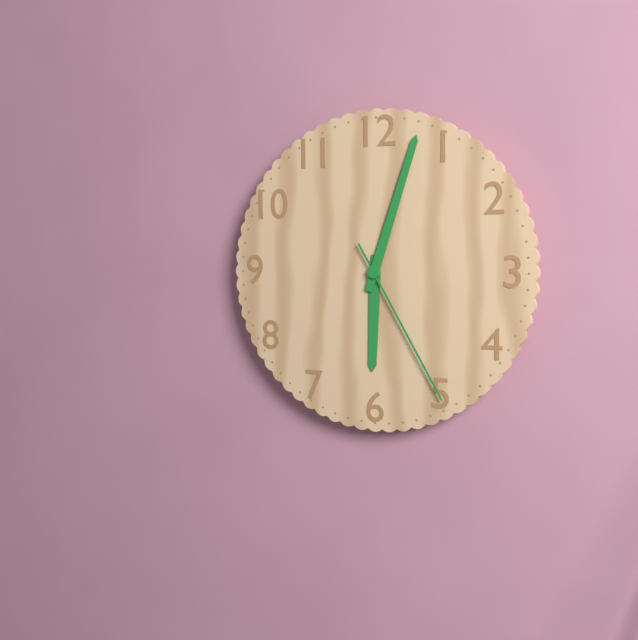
6:03:25
